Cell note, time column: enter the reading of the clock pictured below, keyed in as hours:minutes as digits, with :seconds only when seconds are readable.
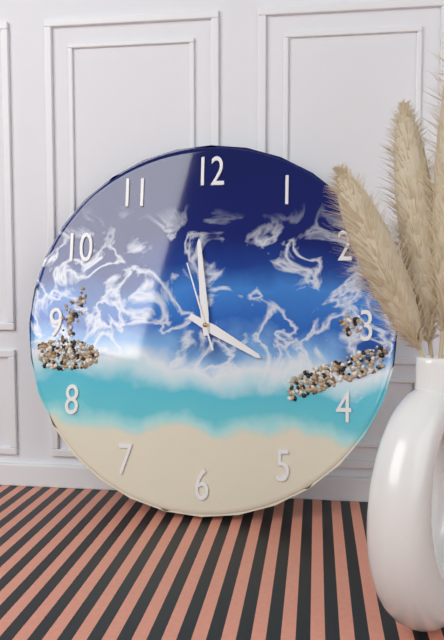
3:59:57
